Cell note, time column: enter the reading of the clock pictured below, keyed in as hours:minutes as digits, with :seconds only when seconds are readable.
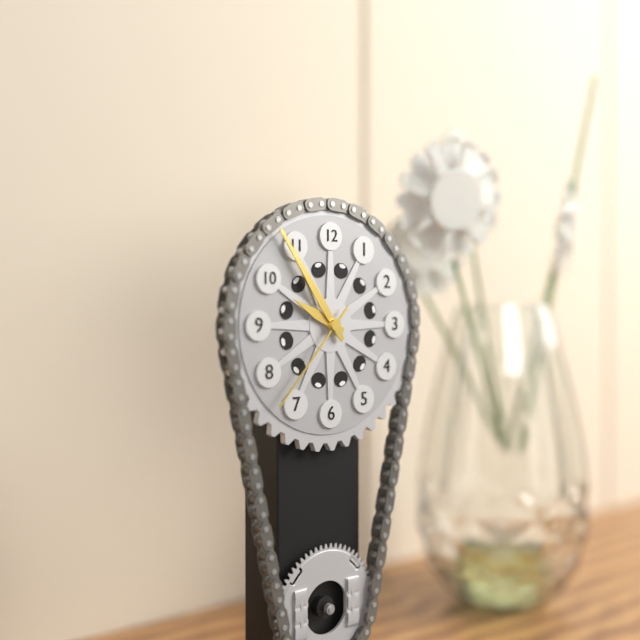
9:54:37
